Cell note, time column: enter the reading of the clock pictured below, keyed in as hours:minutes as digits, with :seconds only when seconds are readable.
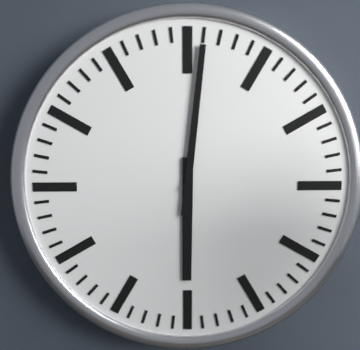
6:01
